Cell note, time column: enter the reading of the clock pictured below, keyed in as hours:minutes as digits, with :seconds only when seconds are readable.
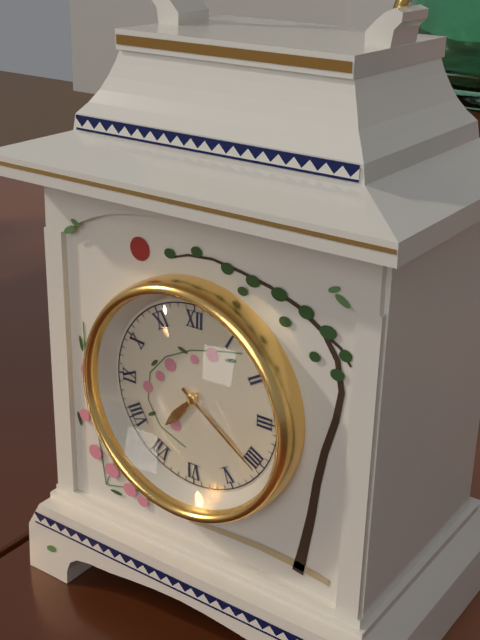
7:21
